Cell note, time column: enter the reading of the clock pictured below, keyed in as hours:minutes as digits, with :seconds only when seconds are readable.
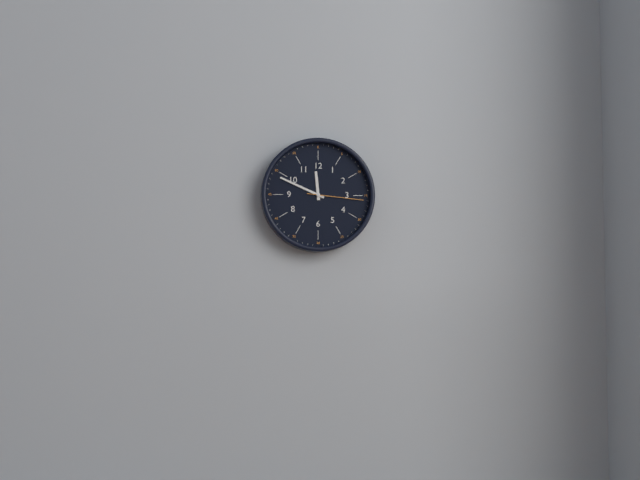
11:49:16
